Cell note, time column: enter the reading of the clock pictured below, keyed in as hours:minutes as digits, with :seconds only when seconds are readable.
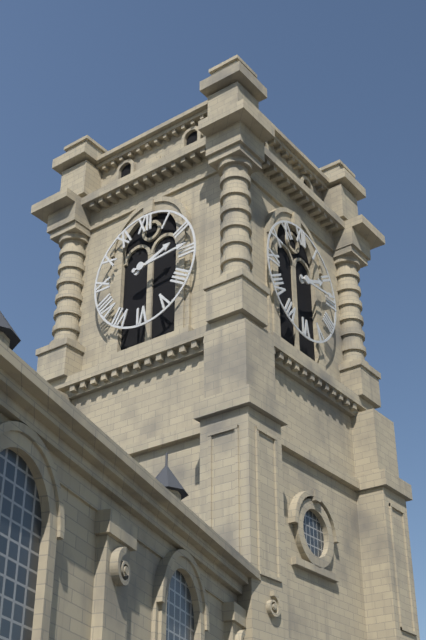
2:14
